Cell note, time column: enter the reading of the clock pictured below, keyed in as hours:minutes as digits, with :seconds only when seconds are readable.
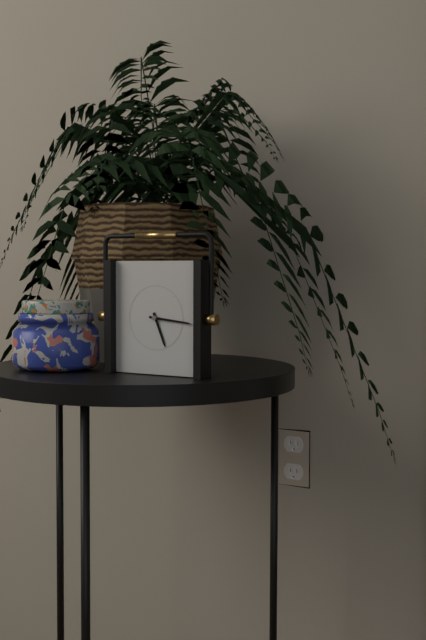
5:16
